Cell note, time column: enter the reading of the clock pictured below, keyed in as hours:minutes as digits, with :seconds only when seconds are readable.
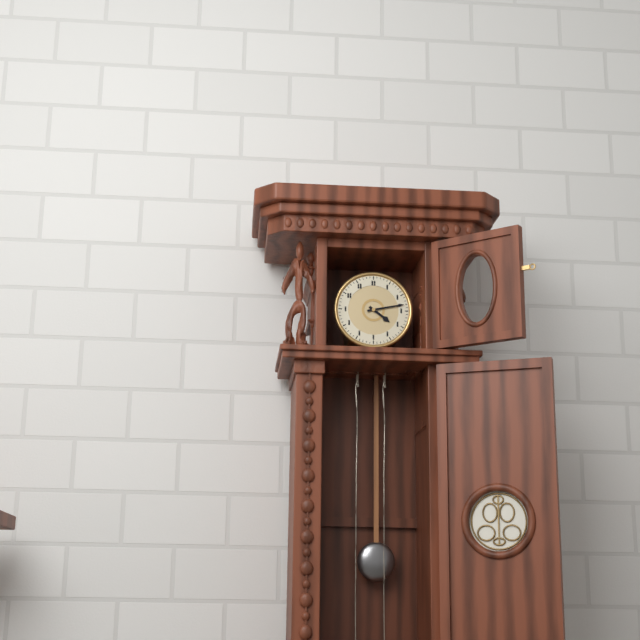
4:13
